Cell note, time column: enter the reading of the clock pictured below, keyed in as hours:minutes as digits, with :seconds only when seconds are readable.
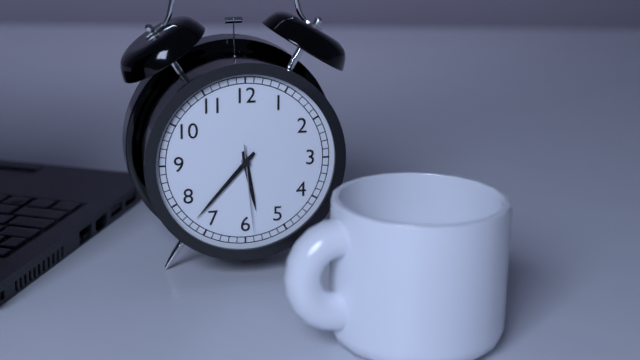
5:37:29
